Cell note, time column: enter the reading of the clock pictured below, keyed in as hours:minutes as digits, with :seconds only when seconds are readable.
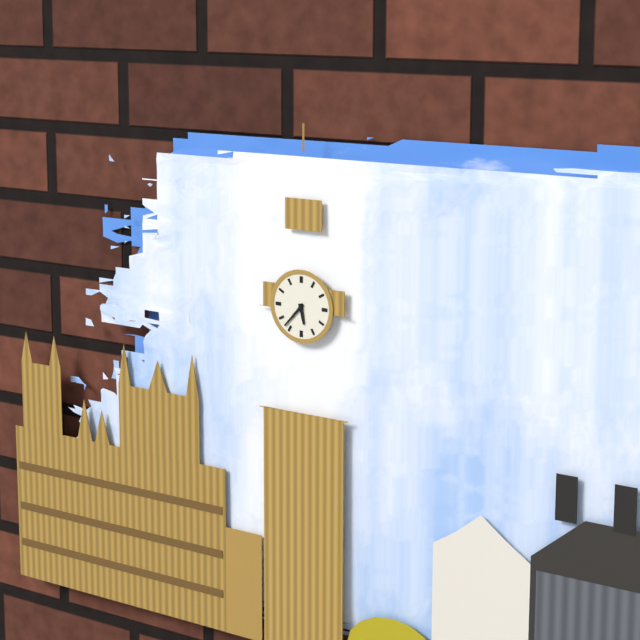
5:37
